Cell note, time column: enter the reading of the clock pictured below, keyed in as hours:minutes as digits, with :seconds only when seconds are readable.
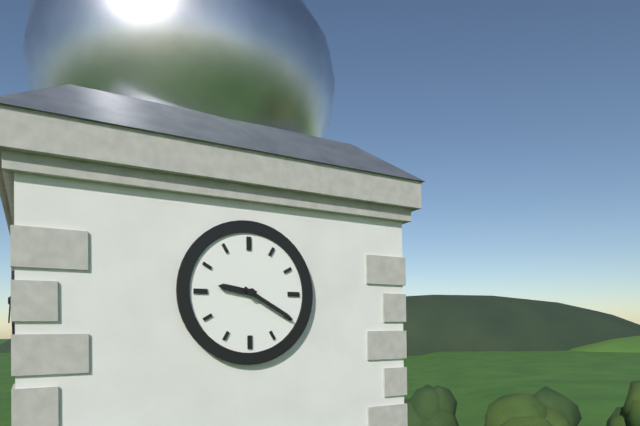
9:20
